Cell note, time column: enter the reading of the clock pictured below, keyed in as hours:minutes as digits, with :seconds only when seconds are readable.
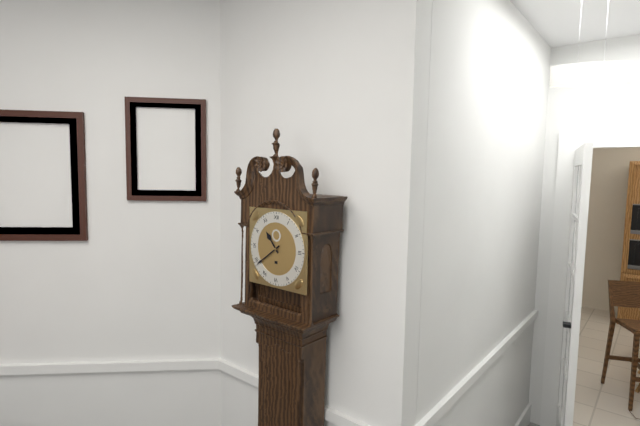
10:39
